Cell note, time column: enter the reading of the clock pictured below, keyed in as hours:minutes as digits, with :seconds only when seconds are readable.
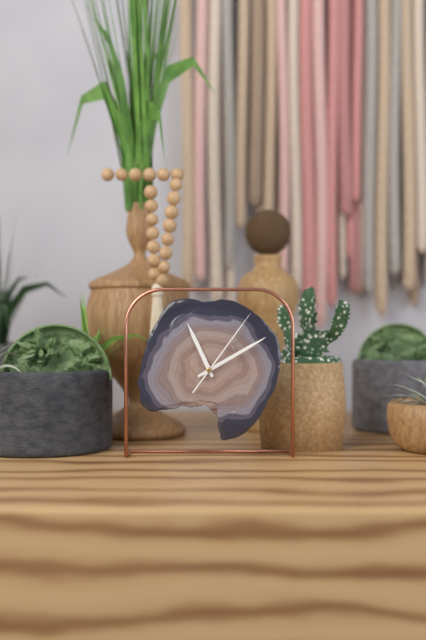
11:10:06
